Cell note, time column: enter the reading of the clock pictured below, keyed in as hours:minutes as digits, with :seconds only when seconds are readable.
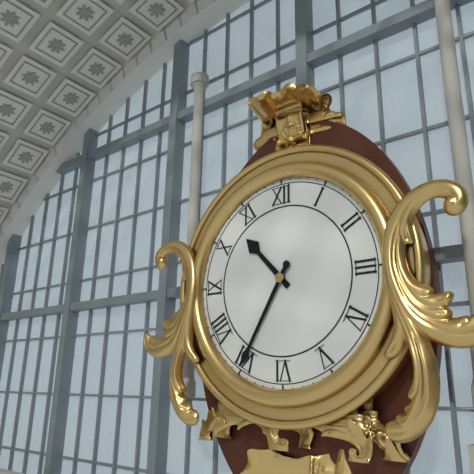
10:35
